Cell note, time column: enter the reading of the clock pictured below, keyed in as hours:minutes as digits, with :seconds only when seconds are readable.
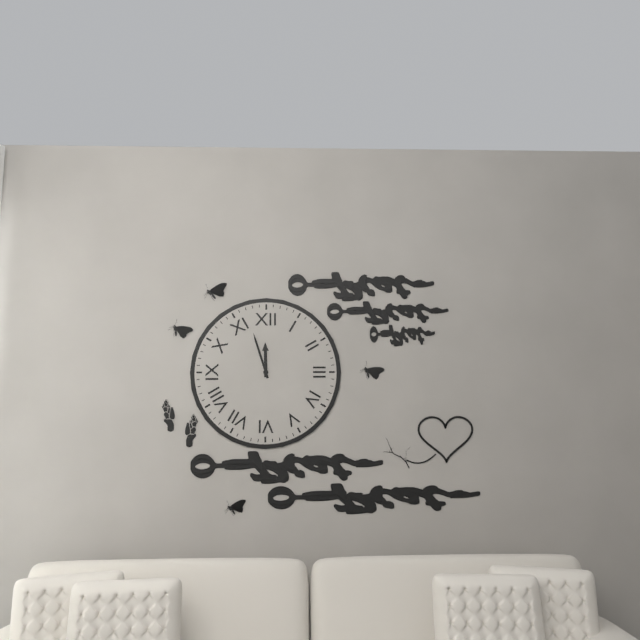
11:57
